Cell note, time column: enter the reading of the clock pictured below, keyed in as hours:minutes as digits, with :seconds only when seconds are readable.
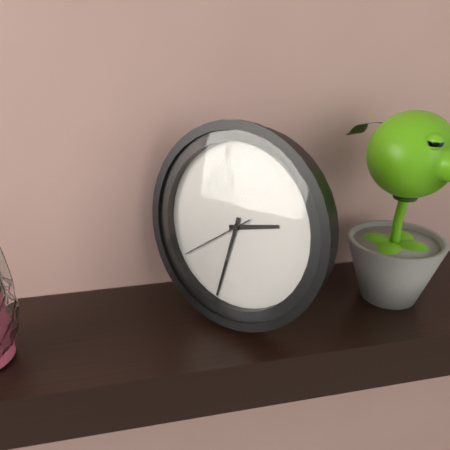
2:32:39
